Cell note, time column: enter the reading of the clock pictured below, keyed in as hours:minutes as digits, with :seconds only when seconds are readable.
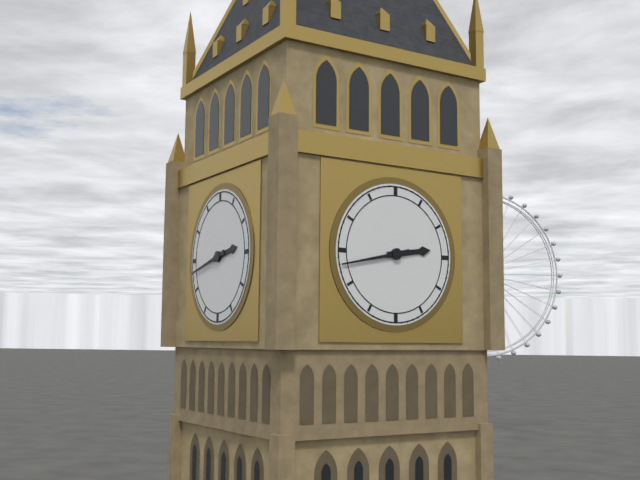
2:43
